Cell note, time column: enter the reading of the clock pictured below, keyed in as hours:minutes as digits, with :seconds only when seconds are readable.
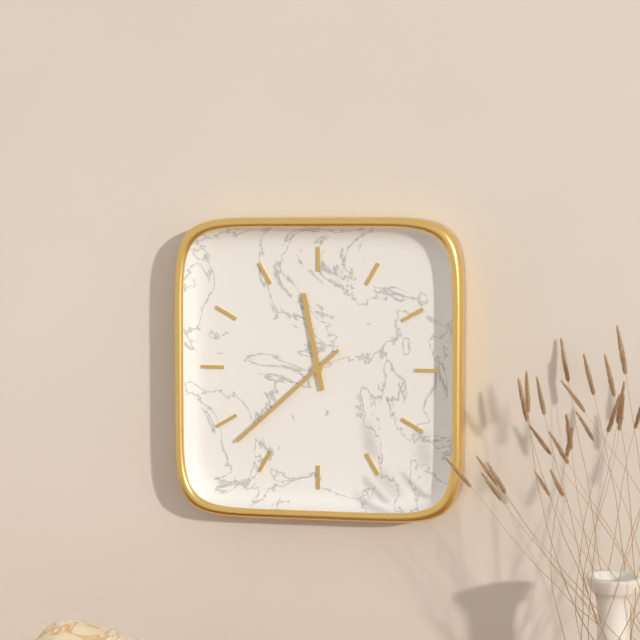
11:38
